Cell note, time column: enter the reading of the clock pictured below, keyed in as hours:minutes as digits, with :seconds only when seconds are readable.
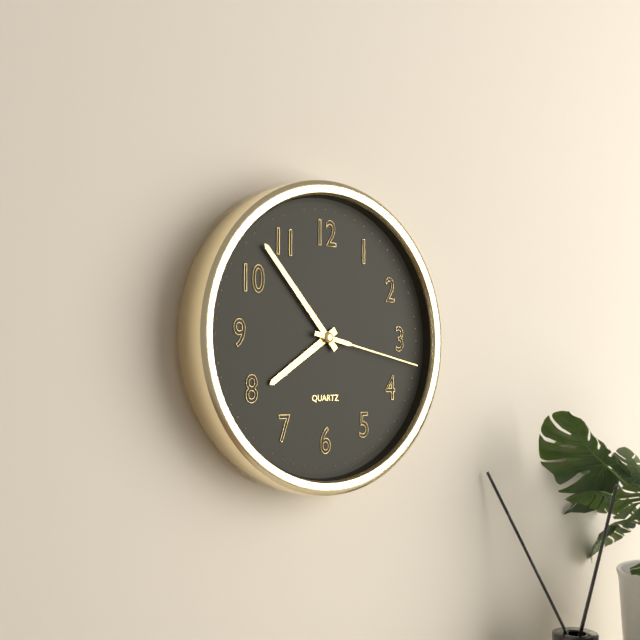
7:53:17
